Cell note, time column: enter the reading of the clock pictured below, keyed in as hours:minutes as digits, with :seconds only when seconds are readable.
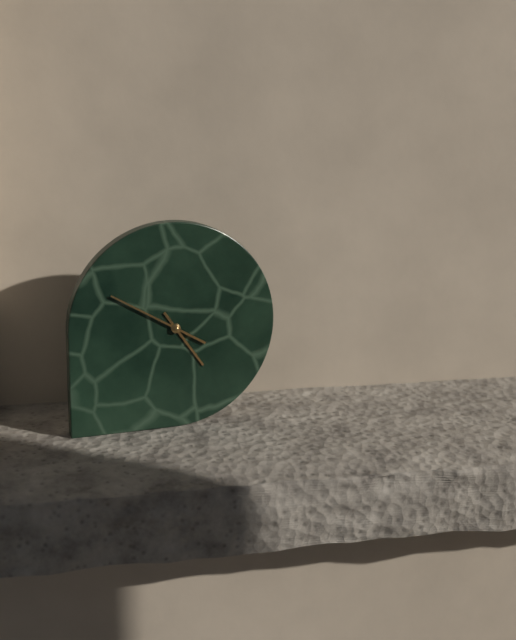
4:50
